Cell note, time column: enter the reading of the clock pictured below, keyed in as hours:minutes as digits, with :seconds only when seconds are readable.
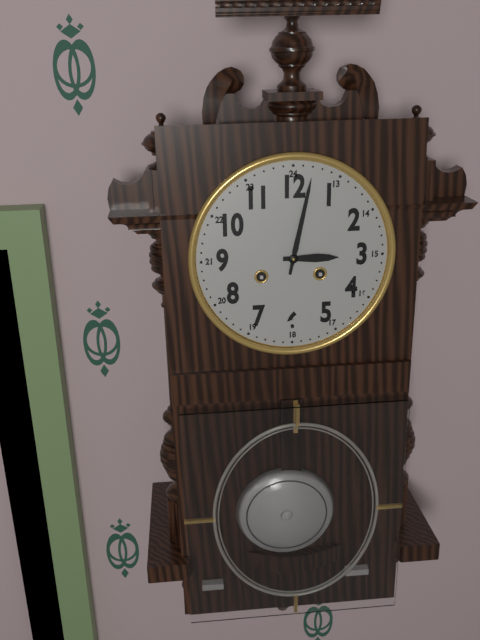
3:02
